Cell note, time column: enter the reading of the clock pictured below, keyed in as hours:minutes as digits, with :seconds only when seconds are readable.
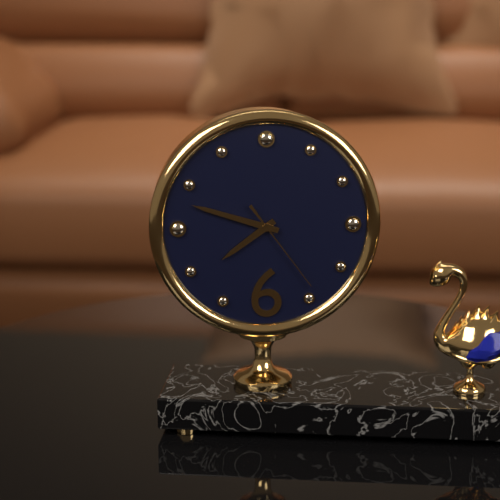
7:48:24
